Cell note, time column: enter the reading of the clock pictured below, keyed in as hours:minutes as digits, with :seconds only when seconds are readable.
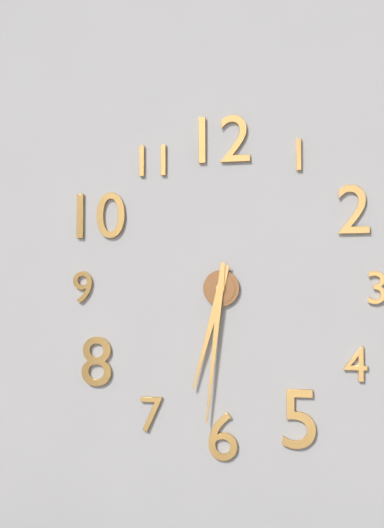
6:31
